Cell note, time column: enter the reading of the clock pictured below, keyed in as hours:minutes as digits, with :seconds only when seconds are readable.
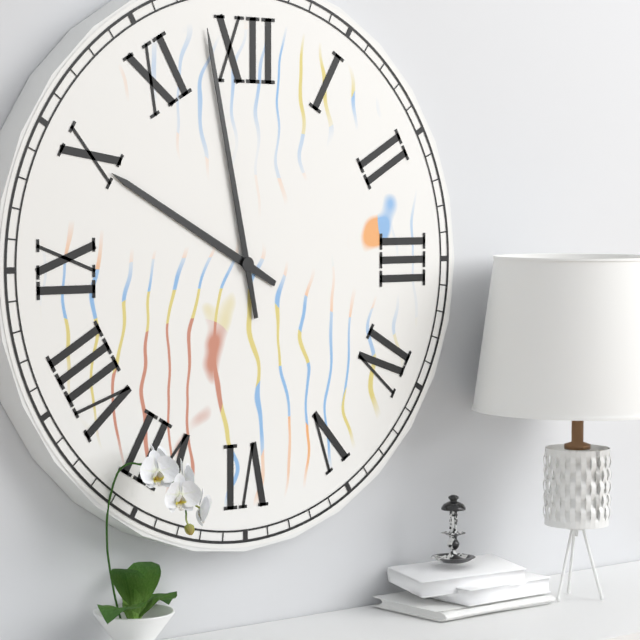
9:58
